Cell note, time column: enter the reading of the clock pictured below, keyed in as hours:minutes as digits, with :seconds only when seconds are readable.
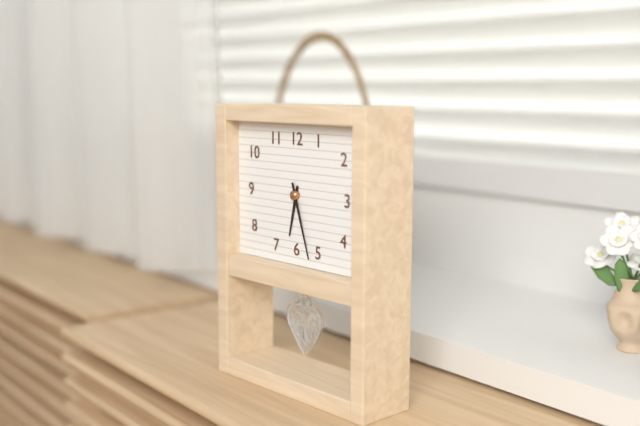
6:27
